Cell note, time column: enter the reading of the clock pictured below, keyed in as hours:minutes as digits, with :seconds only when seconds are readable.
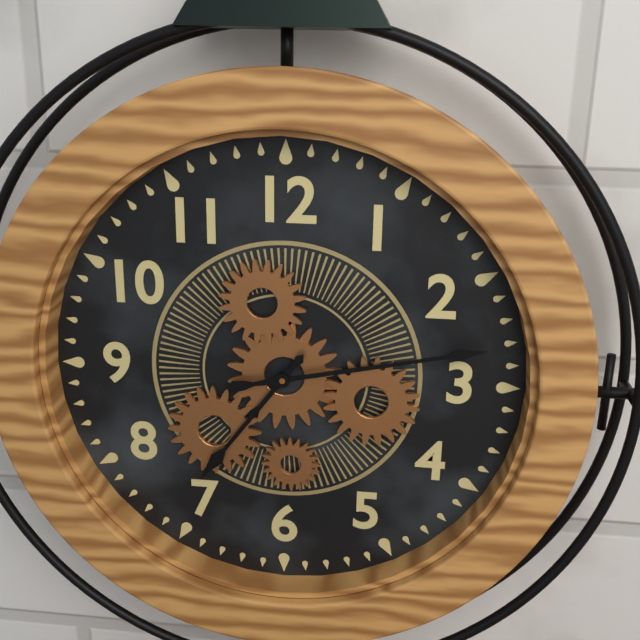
7:13
